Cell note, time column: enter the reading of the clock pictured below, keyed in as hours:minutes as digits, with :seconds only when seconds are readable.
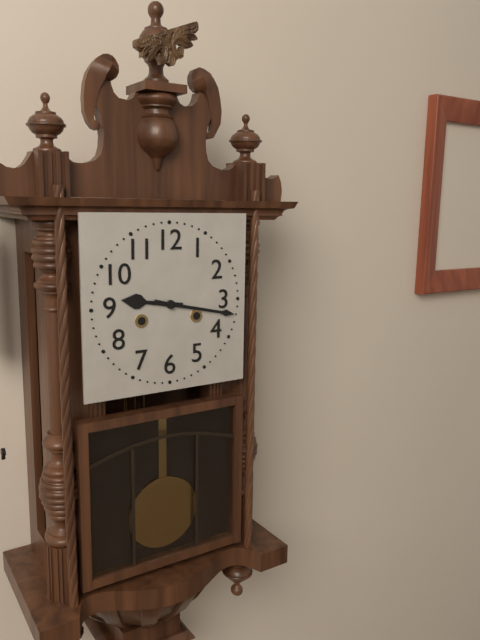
9:17
